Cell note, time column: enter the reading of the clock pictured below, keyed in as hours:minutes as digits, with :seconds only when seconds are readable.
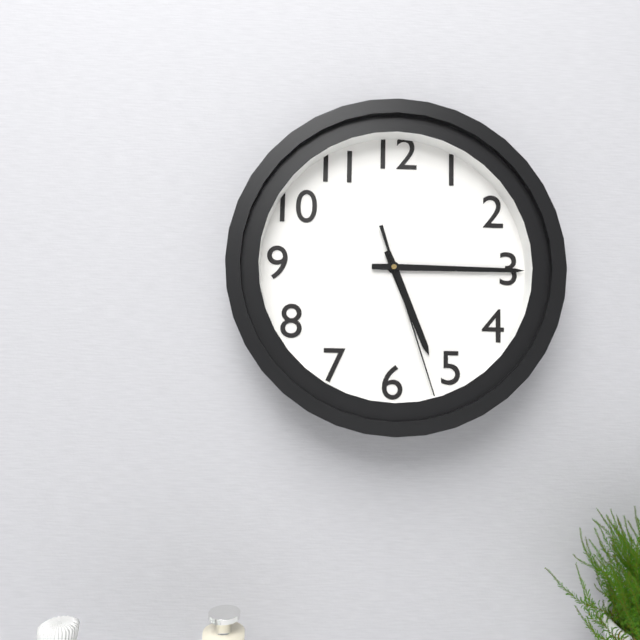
5:15:27
